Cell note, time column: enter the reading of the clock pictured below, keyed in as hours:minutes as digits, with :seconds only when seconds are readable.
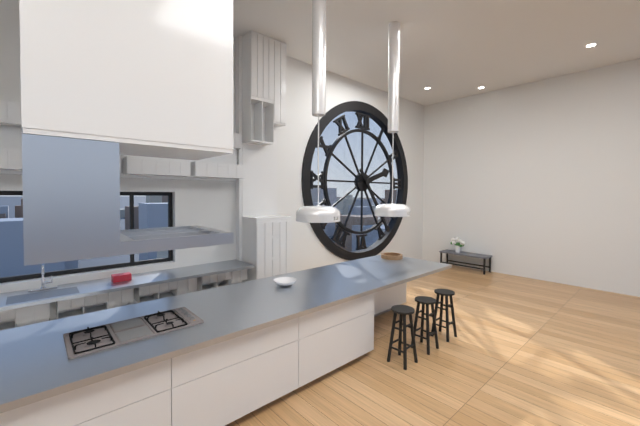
2:24
